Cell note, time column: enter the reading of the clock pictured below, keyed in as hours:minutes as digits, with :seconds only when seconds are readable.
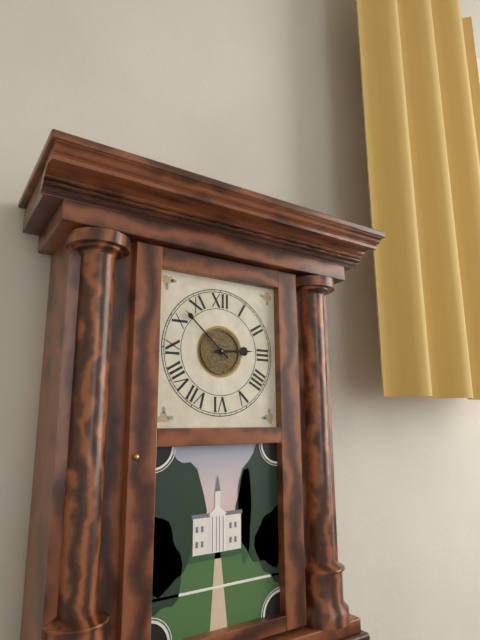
2:52
